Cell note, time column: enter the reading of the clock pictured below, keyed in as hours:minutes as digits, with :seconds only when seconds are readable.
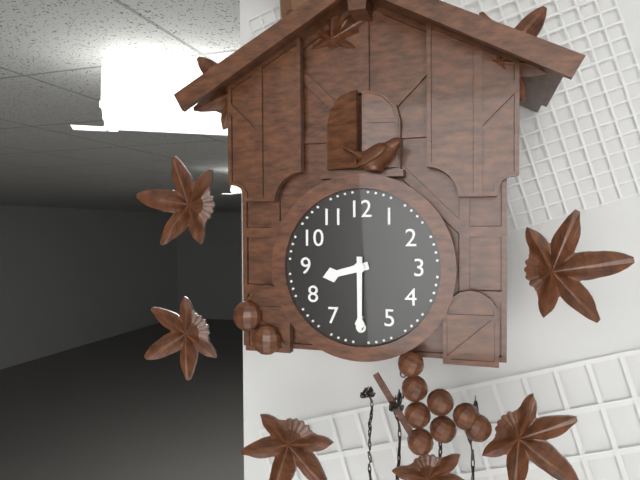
8:30
